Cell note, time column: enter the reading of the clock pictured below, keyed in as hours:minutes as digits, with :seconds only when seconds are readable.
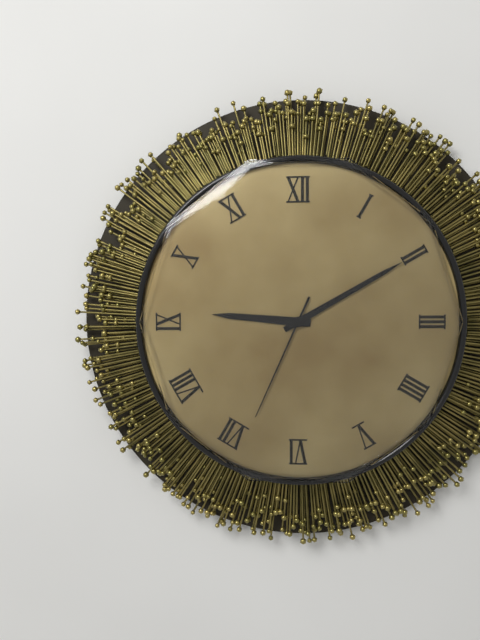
9:10:34
